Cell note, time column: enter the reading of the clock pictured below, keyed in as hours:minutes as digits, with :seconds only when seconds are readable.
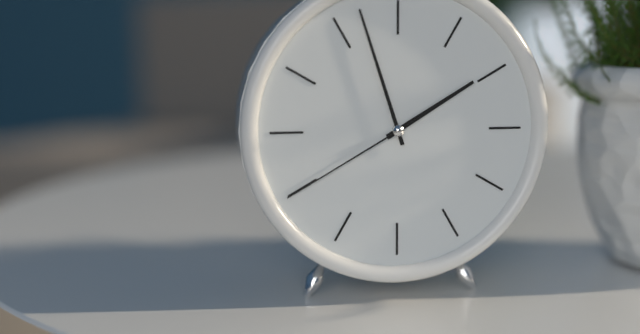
1:57:40
